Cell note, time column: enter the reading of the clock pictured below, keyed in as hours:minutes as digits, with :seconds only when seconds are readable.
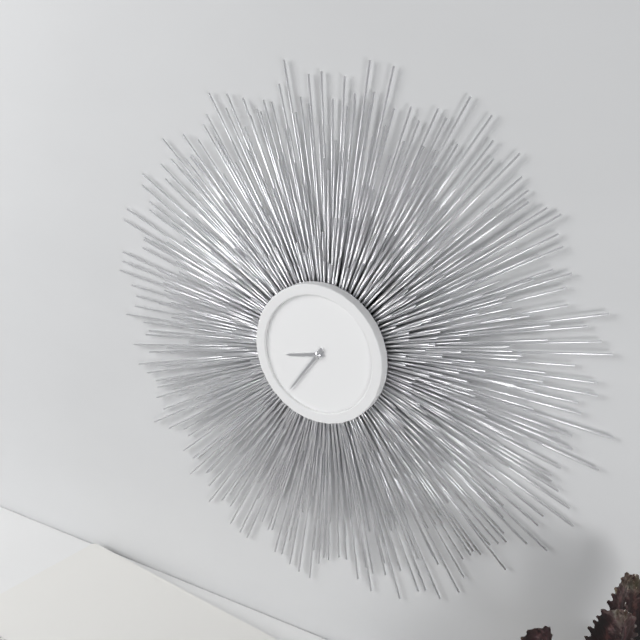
8:36
